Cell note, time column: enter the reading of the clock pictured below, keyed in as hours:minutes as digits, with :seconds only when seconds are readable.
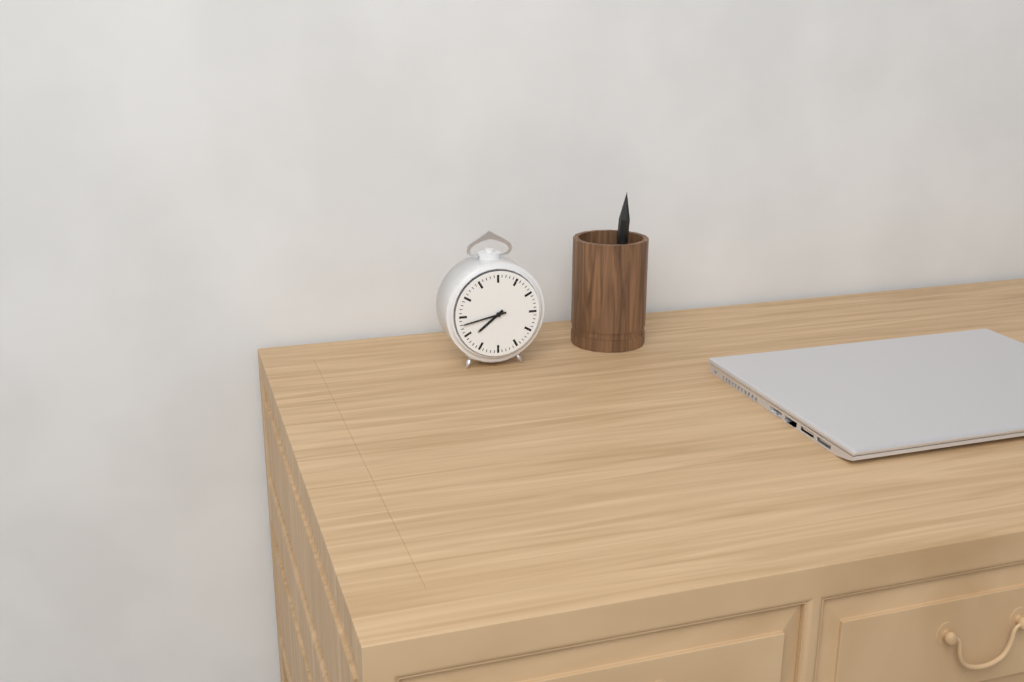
7:43
